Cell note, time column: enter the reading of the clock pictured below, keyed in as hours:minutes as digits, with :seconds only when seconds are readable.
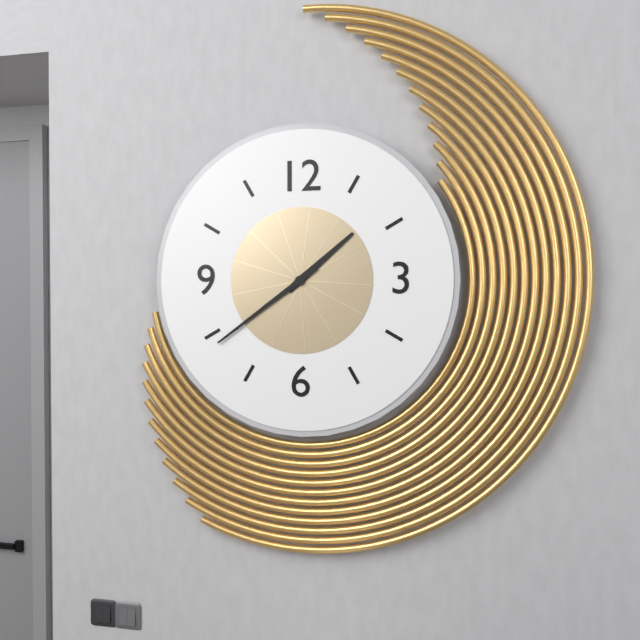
1:39
